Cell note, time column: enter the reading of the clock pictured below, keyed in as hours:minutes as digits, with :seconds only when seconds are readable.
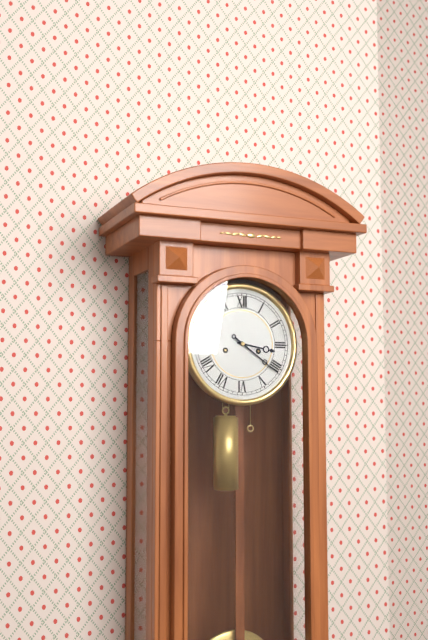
3:21
